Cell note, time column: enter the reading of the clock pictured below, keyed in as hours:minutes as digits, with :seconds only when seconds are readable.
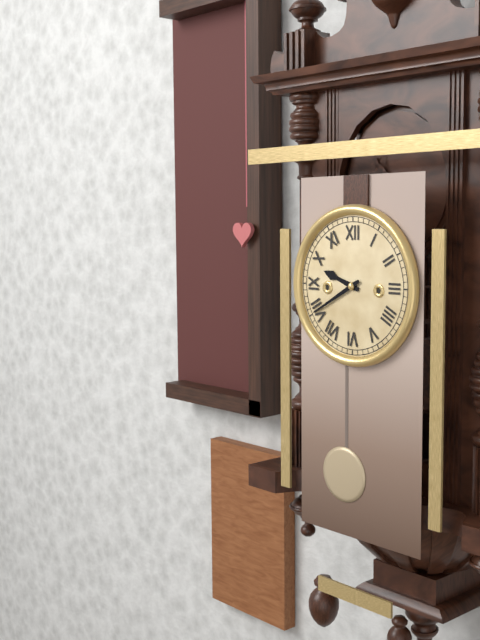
9:40
